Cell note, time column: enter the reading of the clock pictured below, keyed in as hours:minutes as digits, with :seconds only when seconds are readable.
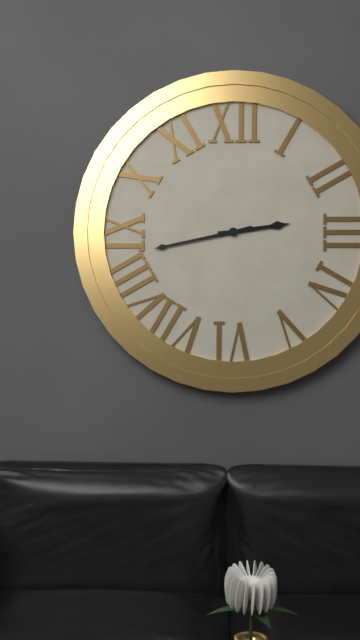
2:43
